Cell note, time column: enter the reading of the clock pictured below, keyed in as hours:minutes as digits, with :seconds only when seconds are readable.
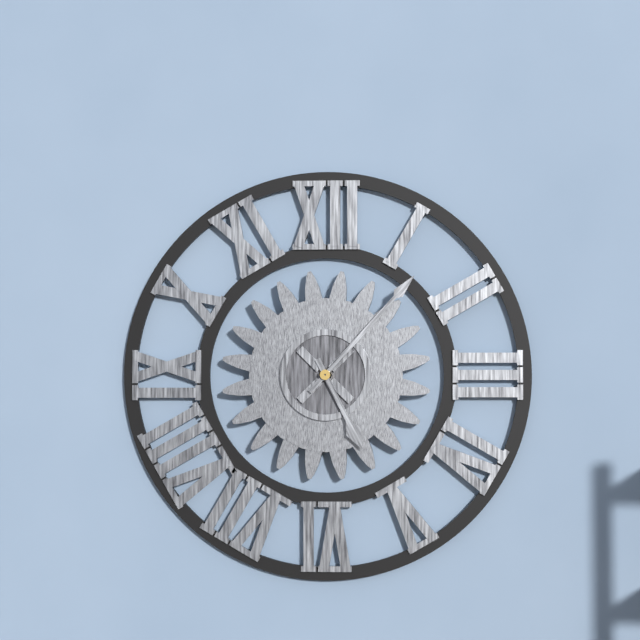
5:07
